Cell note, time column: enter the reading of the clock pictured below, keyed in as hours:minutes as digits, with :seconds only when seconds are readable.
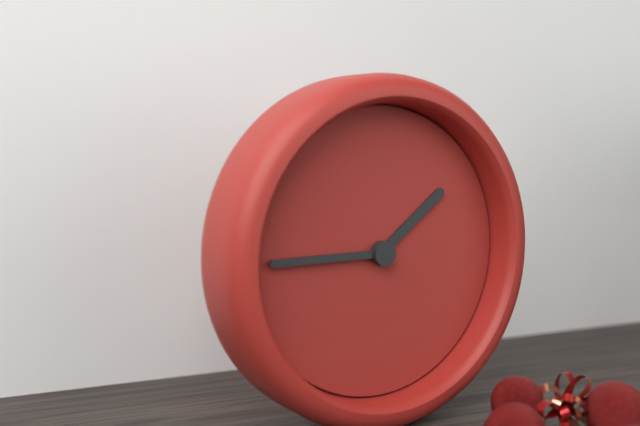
1:45
